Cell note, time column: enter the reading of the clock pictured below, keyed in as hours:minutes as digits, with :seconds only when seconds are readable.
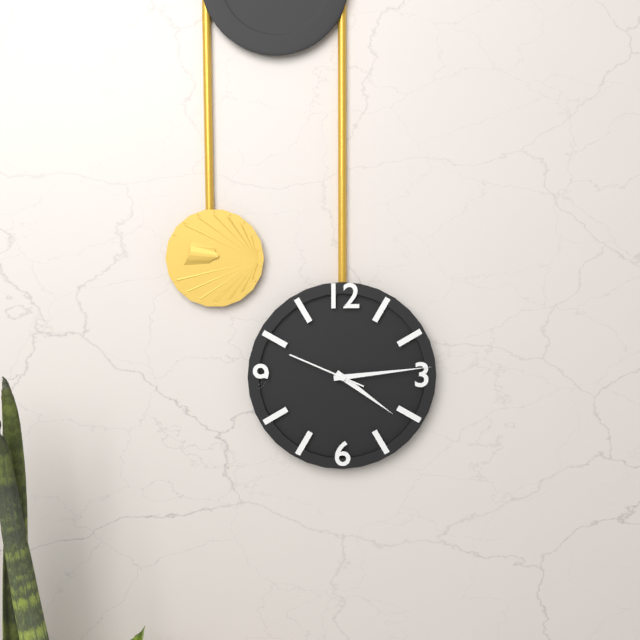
4:14:49
